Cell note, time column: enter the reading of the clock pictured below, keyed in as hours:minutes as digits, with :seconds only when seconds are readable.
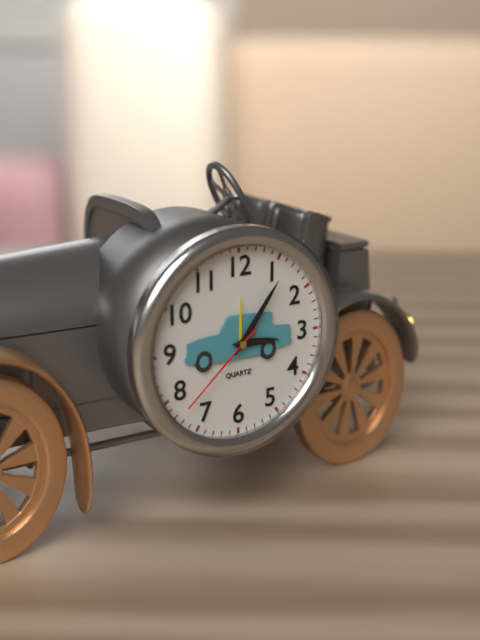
3:06:38
